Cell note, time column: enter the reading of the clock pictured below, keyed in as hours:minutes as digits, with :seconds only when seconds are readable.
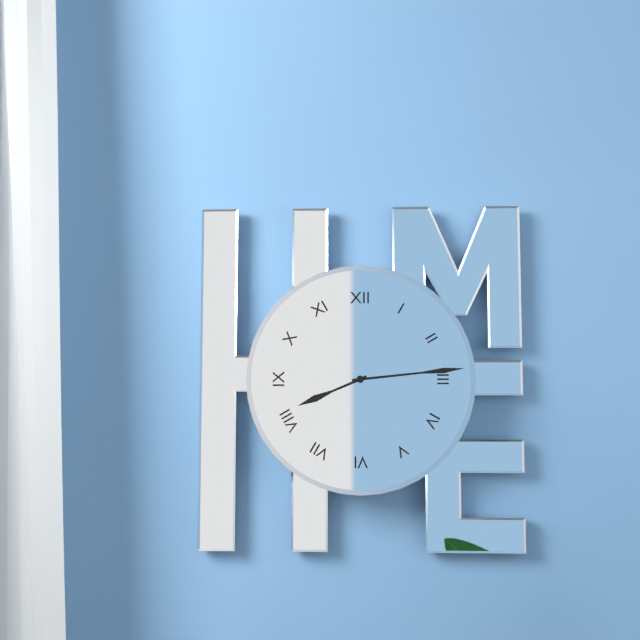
8:14
